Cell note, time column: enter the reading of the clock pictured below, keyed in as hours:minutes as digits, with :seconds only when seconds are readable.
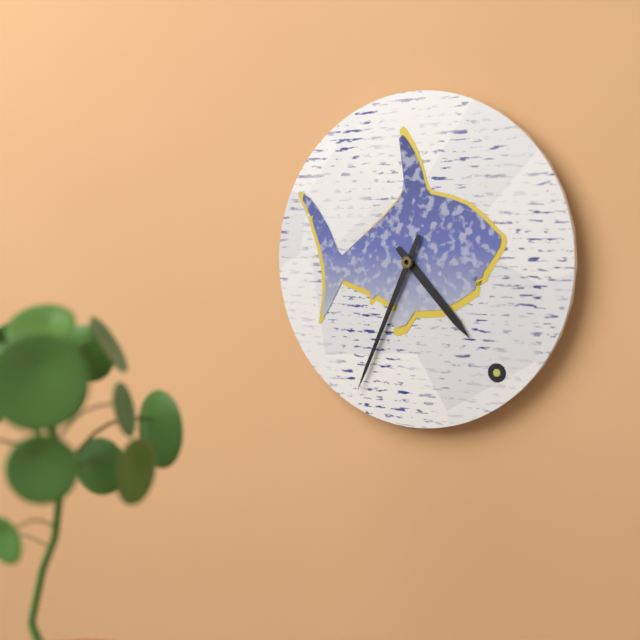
4:34
